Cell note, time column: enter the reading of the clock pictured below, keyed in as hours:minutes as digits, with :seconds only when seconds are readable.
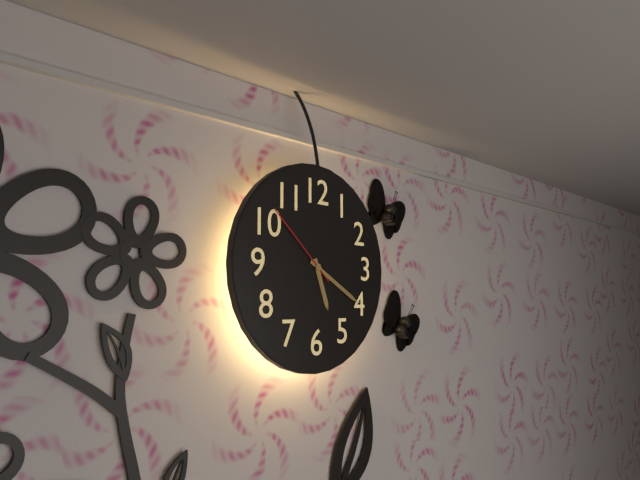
5:20:52
